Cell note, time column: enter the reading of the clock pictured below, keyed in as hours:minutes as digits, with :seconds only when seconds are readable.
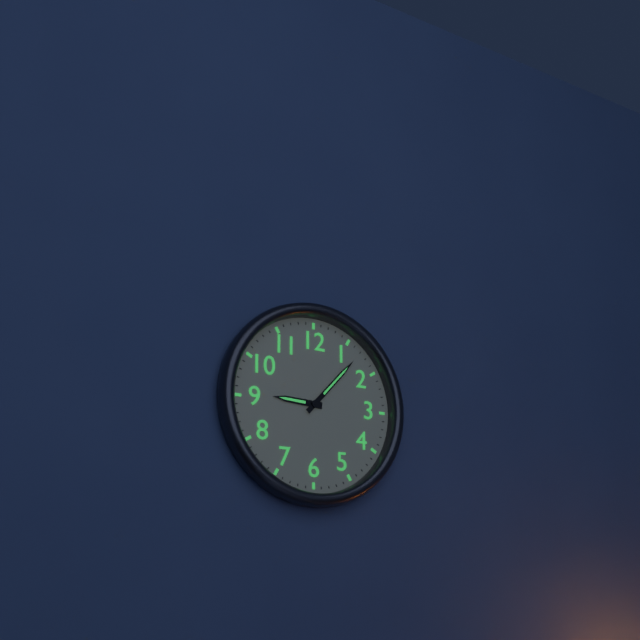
9:07
